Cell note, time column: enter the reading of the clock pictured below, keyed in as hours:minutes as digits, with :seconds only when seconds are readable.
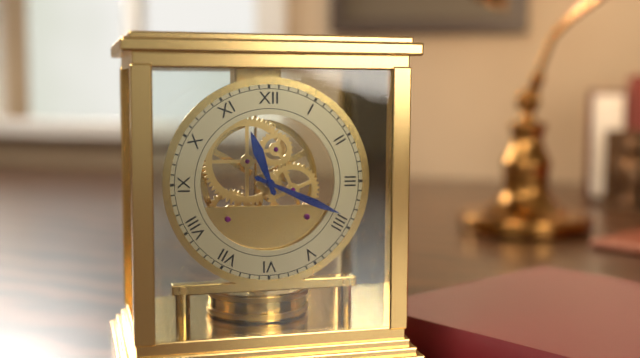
11:19
